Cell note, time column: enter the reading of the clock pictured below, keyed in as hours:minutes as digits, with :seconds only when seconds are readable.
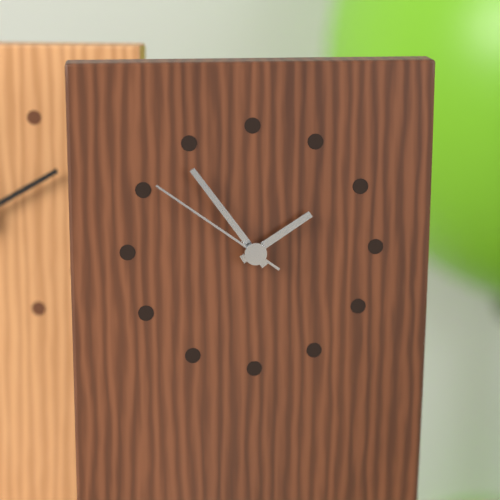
1:54:51
